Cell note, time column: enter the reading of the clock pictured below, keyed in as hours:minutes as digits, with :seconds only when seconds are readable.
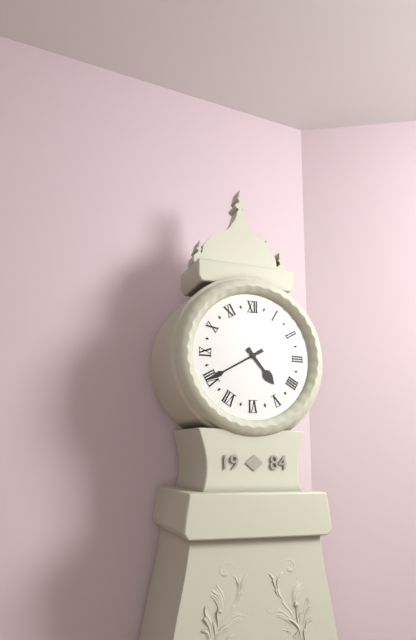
4:40
